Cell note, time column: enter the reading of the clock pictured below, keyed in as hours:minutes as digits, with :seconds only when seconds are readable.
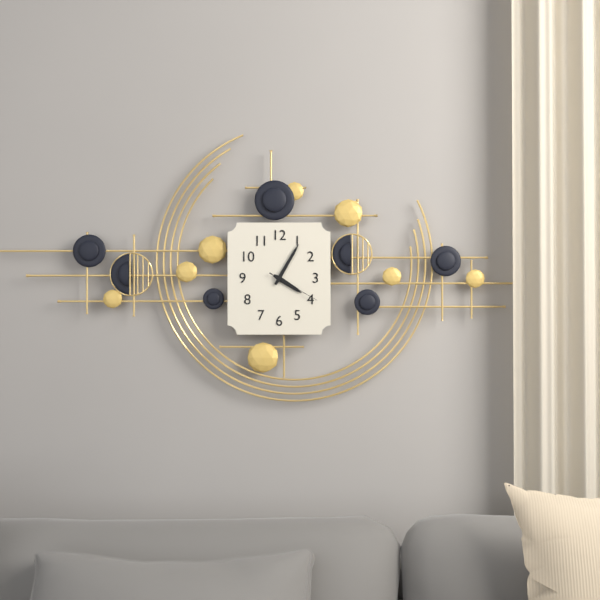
4:05:20
